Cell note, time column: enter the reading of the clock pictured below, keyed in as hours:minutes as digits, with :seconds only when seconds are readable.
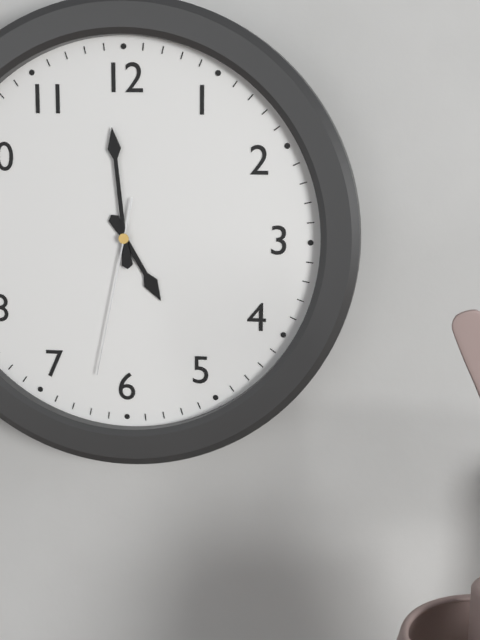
4:59:32
